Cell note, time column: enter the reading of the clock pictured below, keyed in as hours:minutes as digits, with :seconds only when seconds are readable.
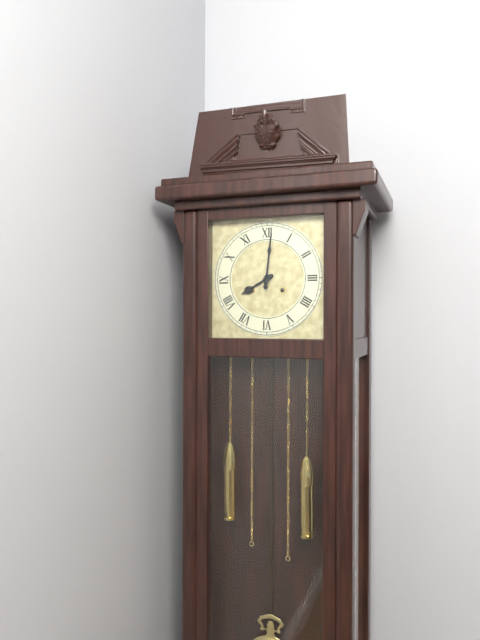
8:01
